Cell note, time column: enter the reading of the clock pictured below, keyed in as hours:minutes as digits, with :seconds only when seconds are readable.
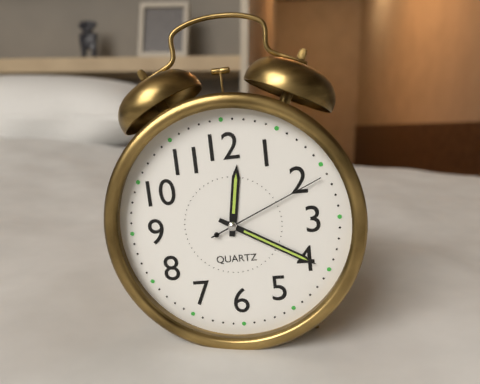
12:20:11
